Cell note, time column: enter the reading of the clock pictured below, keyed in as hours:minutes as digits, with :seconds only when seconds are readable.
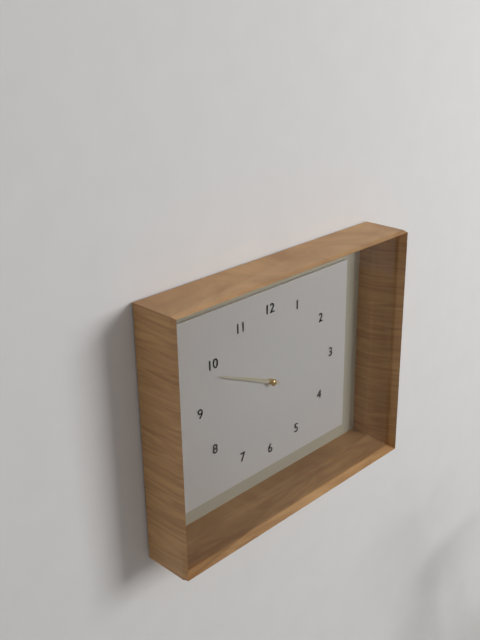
9:49
